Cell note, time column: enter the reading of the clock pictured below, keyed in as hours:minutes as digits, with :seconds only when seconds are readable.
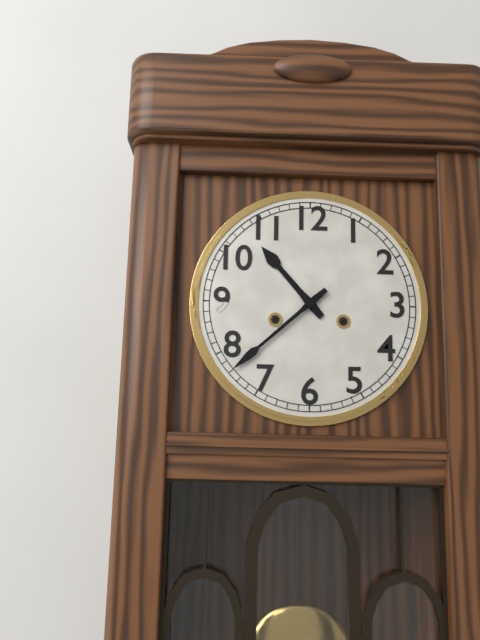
10:38
